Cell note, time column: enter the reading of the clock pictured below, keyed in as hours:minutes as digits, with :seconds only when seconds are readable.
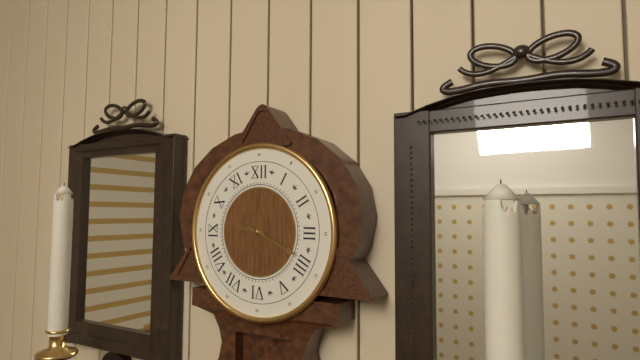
9:19
